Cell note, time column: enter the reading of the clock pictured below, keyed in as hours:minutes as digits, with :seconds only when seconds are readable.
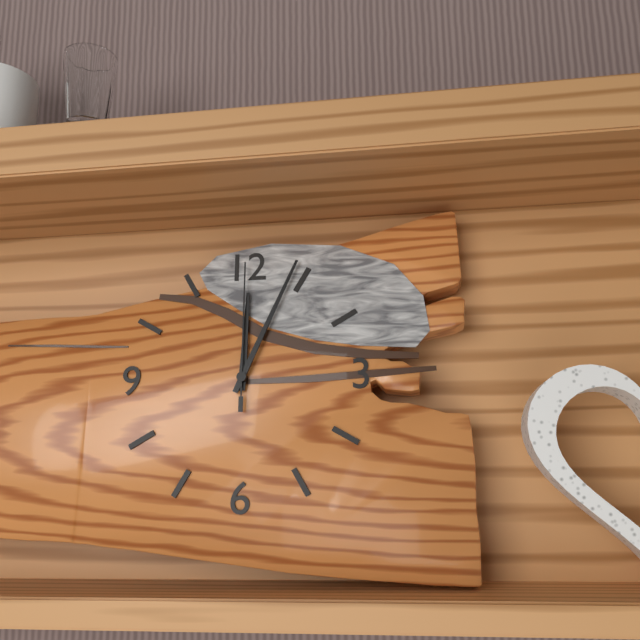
12:04:00
